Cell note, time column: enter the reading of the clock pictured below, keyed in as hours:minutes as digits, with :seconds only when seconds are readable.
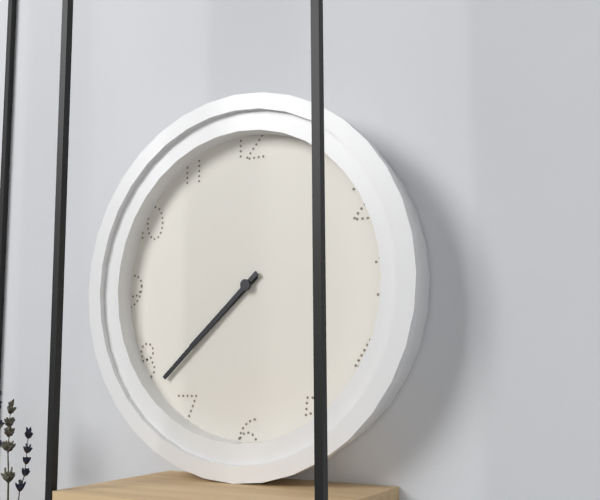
7:38
